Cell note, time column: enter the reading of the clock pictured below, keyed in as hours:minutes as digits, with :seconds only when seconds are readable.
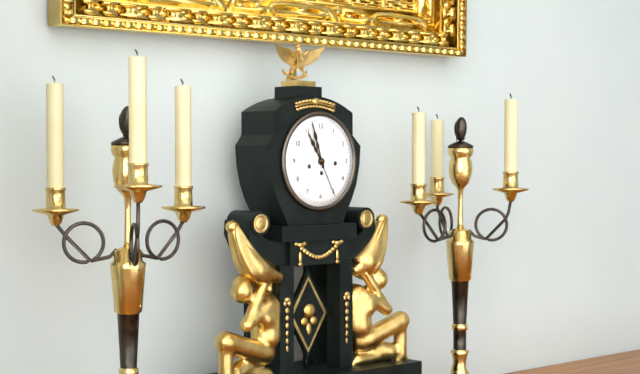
10:57
